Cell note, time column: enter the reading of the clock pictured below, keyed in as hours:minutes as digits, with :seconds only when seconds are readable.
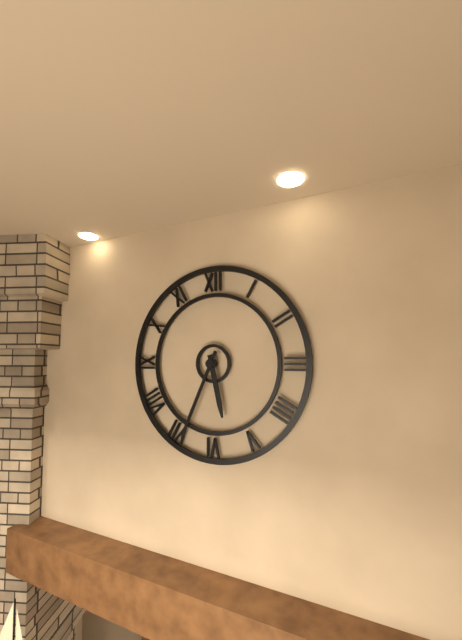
5:34
